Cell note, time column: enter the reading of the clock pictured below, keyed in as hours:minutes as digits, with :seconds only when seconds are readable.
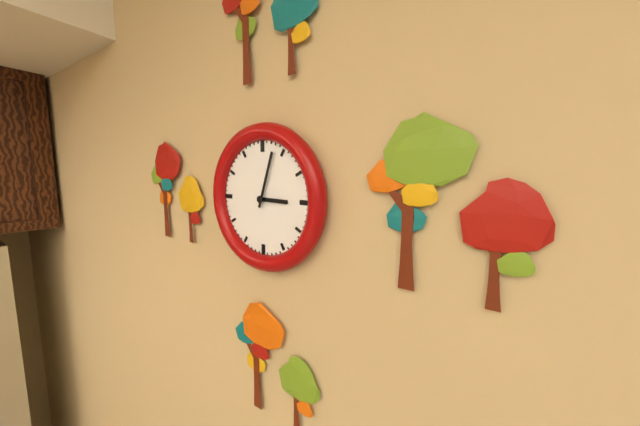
3:03
